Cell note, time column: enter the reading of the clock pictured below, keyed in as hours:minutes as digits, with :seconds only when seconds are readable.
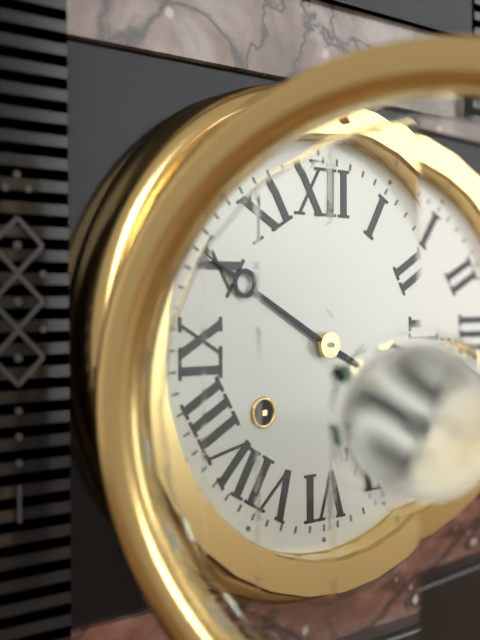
3:50
